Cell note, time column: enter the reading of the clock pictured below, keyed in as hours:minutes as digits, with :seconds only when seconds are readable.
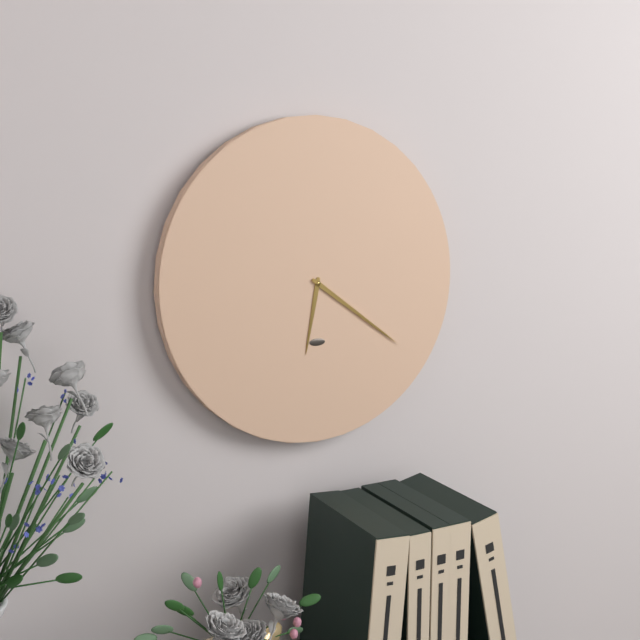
6:21
